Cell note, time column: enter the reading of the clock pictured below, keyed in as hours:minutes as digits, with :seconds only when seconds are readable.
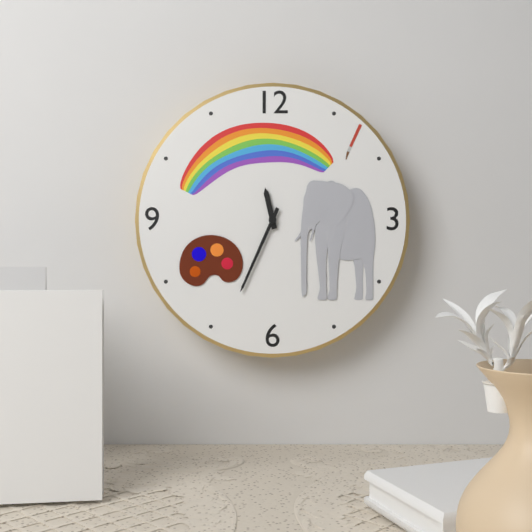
11:34
